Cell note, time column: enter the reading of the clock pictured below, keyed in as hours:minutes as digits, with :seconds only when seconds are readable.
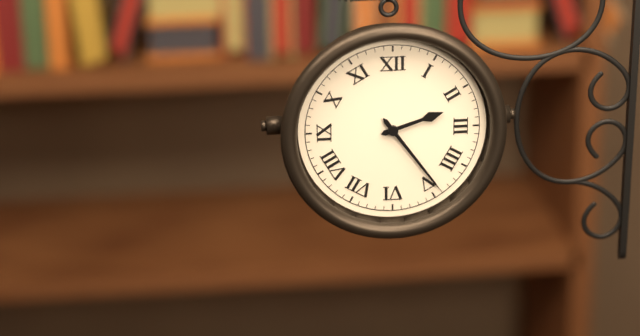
2:24
